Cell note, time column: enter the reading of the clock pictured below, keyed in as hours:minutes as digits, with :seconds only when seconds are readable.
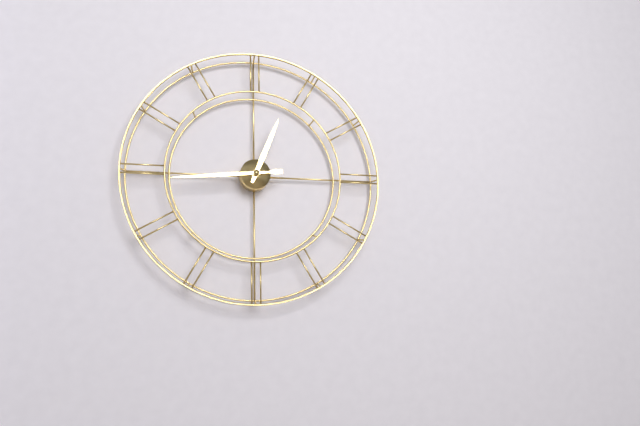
12:44
